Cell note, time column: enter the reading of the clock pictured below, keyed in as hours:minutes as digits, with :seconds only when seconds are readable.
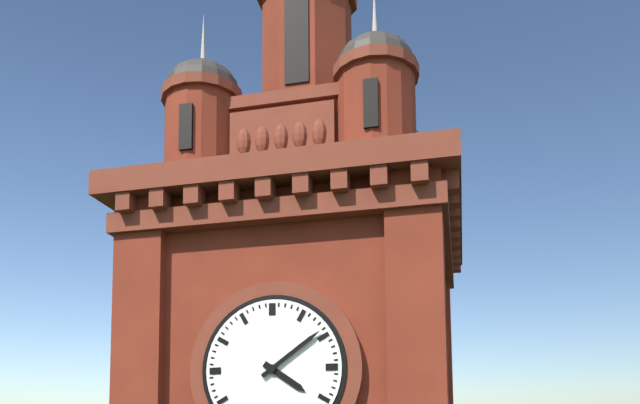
4:09
